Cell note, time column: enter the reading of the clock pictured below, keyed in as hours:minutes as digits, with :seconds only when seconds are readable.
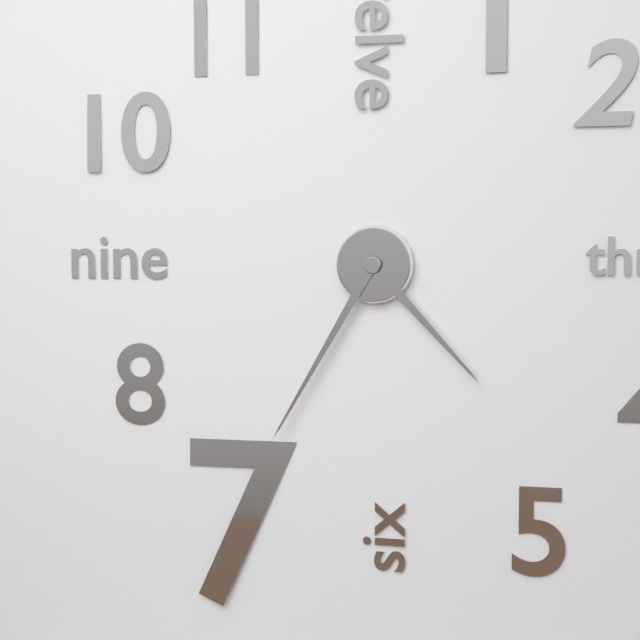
4:35
